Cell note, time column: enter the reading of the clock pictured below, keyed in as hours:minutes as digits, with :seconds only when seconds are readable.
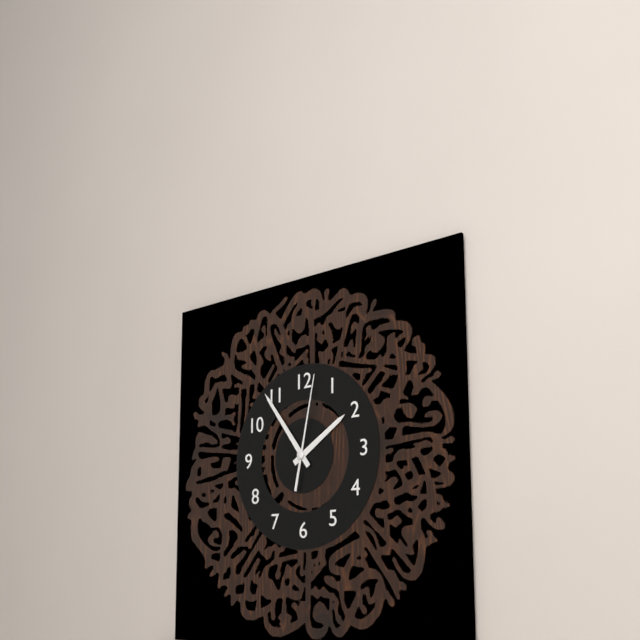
1:54:02
